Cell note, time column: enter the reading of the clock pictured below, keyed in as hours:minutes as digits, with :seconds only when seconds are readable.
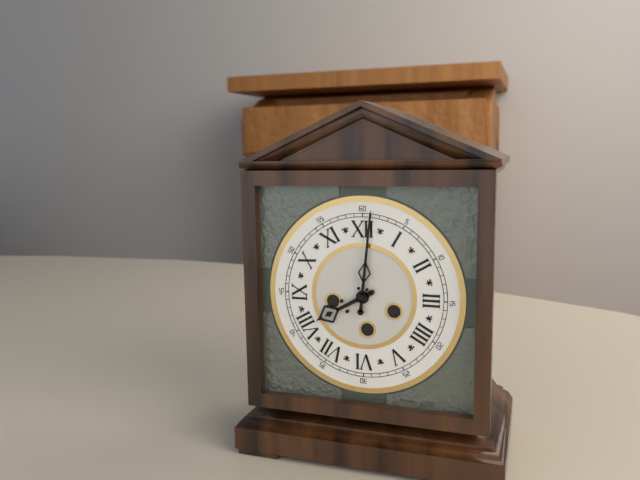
8:01
